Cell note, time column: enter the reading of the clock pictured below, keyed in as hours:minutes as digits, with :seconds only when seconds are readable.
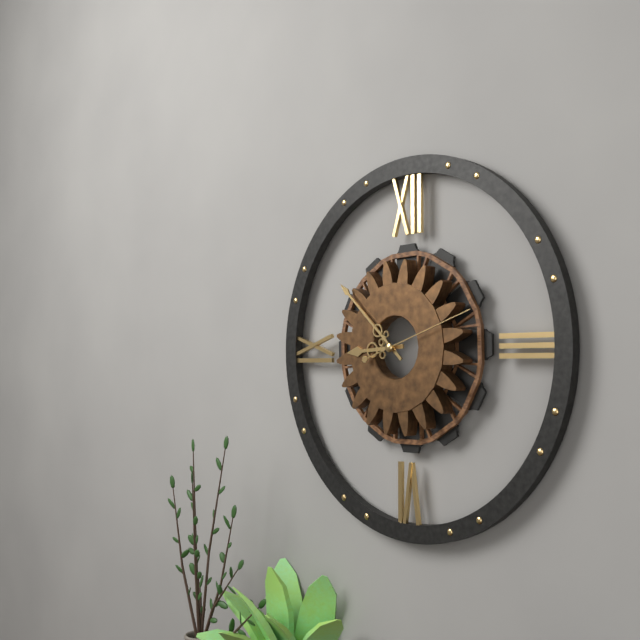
8:52:12
